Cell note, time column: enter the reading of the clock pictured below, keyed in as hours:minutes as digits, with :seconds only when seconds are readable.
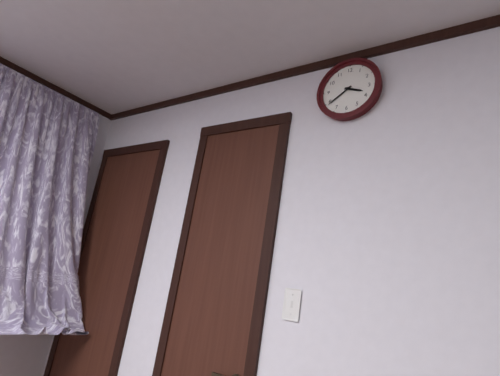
3:39
